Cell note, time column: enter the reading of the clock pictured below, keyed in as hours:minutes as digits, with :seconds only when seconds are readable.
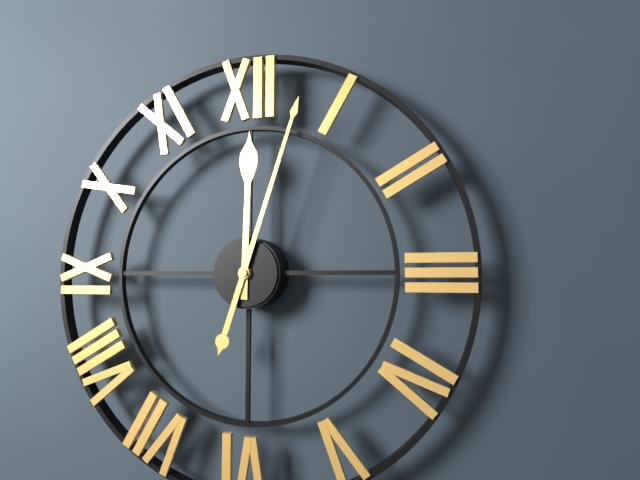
12:03
